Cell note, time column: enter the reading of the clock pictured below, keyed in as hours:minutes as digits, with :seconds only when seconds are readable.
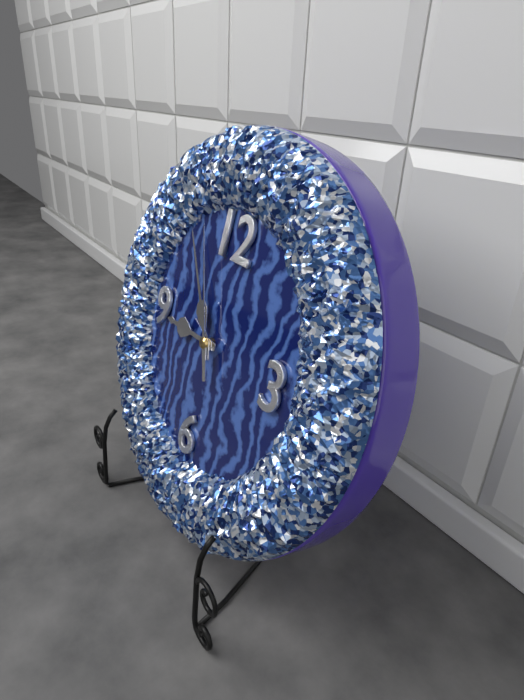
8:54:56
